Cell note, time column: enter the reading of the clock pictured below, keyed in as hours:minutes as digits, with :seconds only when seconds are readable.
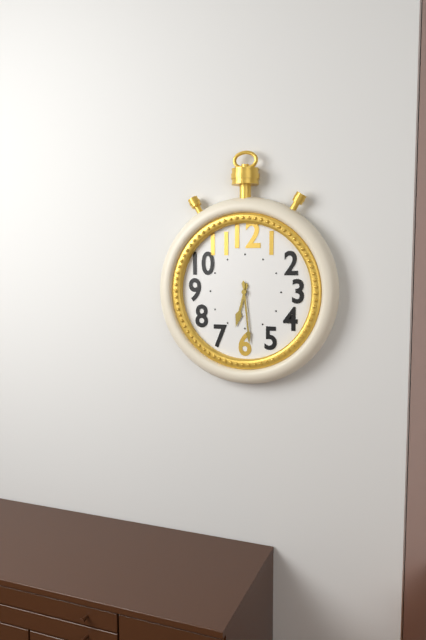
6:29
